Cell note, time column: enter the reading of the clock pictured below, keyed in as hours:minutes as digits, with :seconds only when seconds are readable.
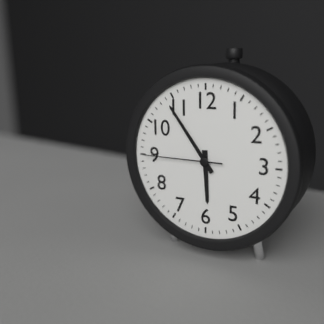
5:54:45
